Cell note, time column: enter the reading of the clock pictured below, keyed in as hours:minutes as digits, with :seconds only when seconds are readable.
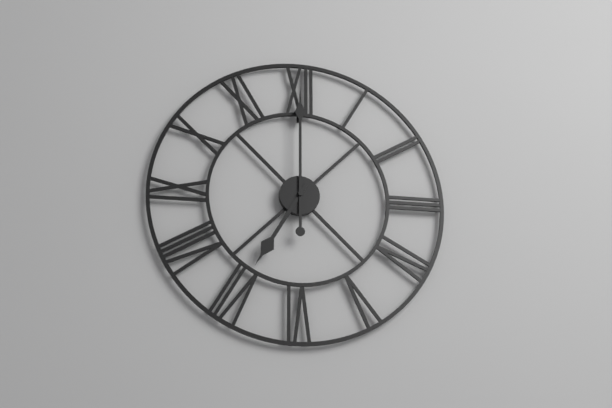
7:00
